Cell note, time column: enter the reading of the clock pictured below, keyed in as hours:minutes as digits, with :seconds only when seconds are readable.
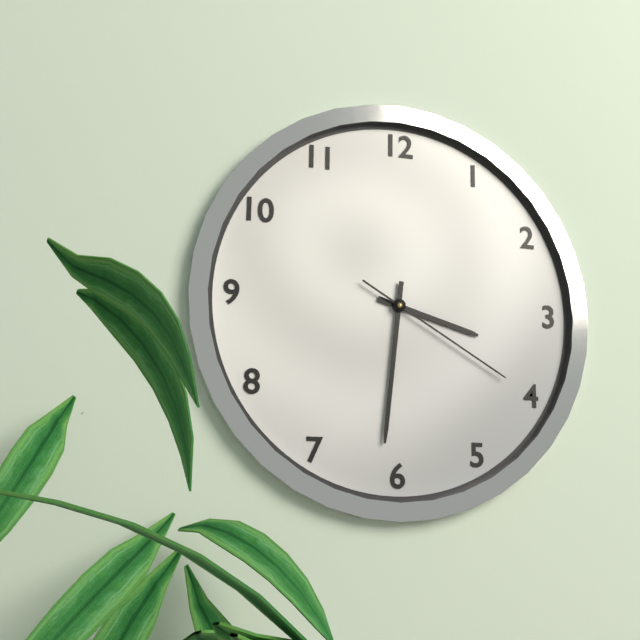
3:31:20
